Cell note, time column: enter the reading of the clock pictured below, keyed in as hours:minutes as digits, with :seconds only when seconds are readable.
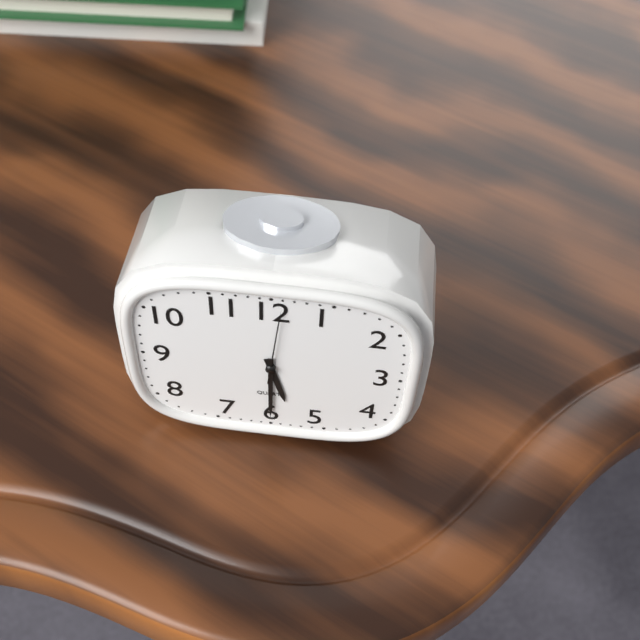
5:30:01
